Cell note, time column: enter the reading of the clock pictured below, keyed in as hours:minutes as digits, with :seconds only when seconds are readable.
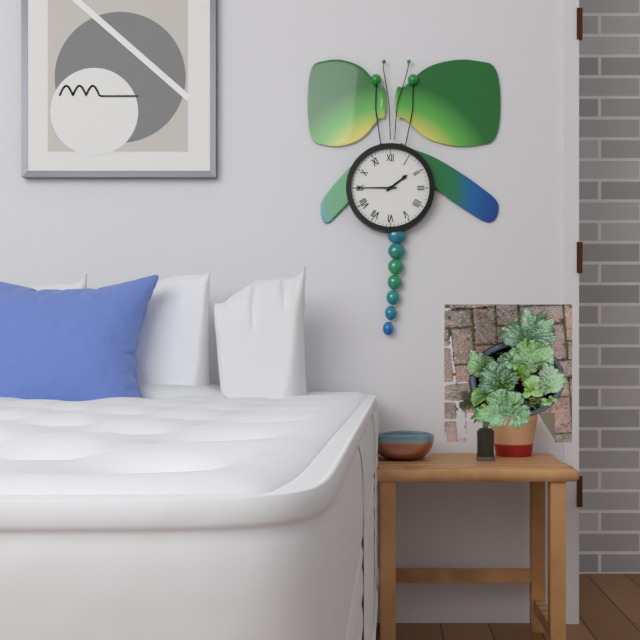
1:45
